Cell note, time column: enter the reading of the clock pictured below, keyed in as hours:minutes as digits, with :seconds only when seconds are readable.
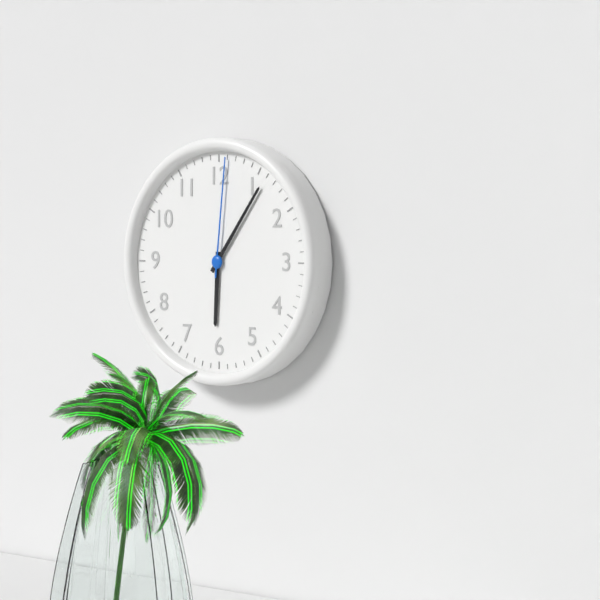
6:06:01
